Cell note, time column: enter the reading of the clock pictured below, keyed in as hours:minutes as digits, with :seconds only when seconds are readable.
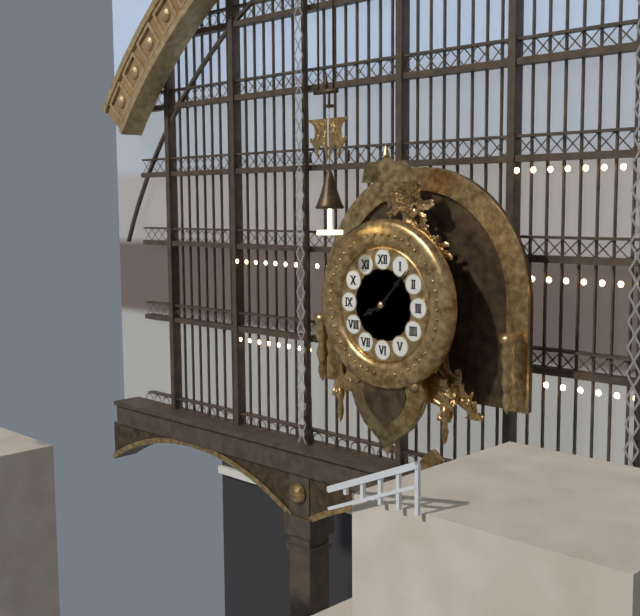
8:07
